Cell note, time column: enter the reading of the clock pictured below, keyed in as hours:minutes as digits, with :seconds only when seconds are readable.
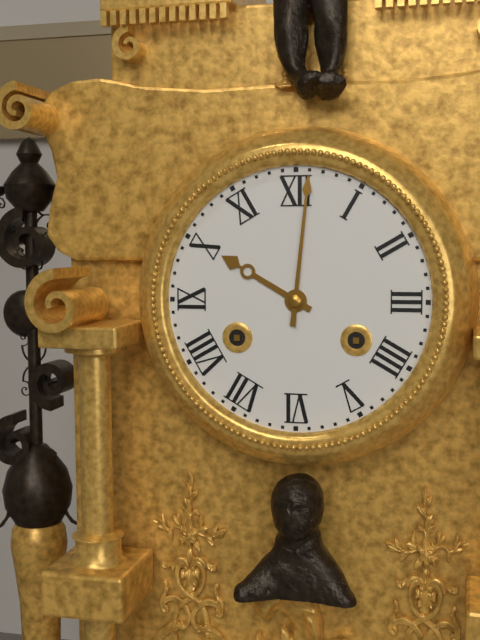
10:01
